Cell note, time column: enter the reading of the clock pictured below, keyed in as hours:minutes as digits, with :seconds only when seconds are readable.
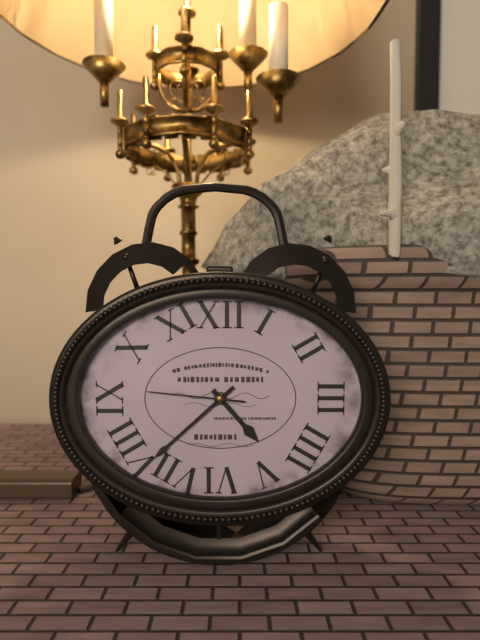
4:38:46
